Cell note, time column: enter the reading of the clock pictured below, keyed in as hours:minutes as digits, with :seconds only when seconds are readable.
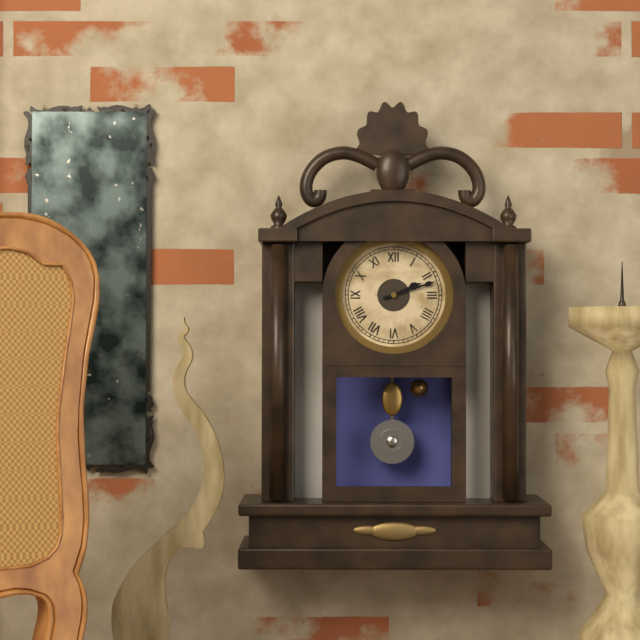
2:12
